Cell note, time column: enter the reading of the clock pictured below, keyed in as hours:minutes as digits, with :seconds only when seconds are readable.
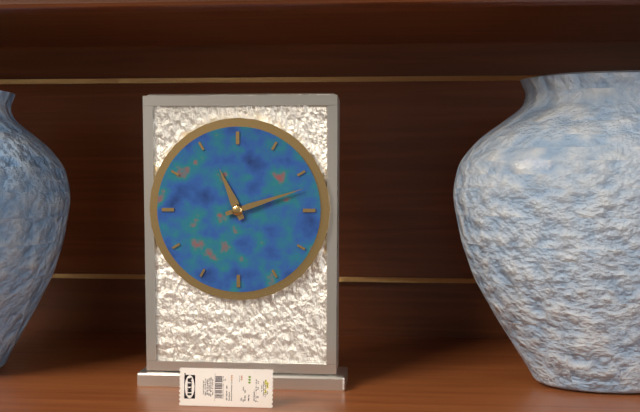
11:12
